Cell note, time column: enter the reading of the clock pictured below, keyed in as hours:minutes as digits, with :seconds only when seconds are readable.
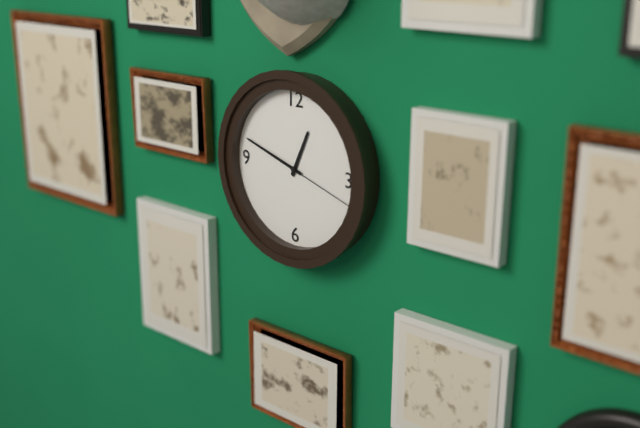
12:48:18
